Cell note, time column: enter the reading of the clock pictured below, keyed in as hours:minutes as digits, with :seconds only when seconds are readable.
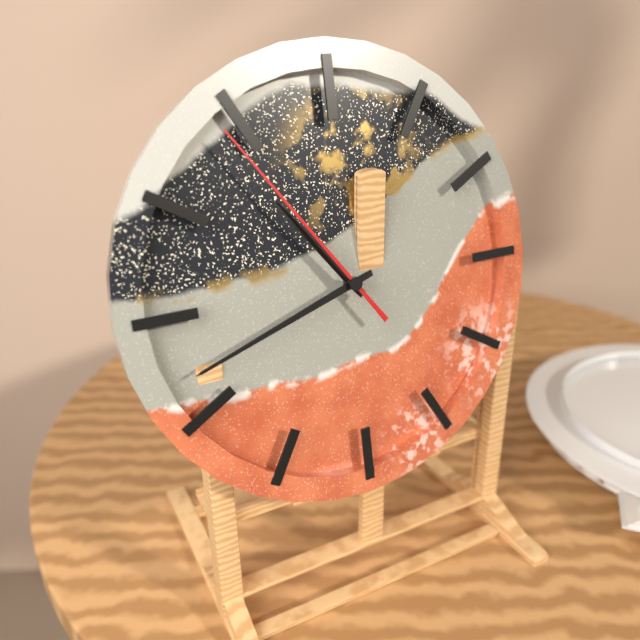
10:42:54
